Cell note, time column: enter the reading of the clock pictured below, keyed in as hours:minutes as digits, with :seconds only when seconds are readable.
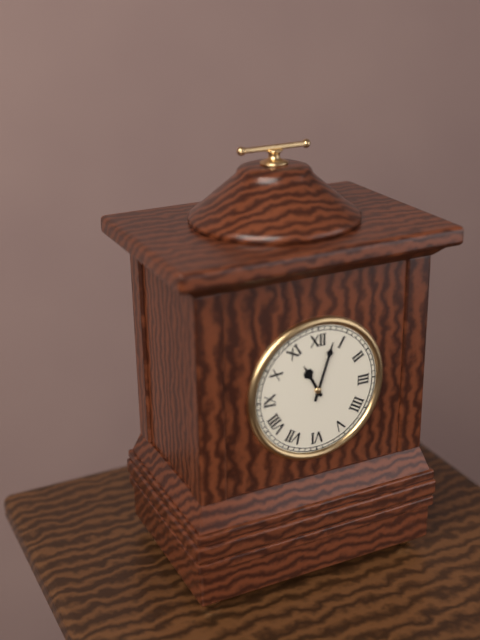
11:03
